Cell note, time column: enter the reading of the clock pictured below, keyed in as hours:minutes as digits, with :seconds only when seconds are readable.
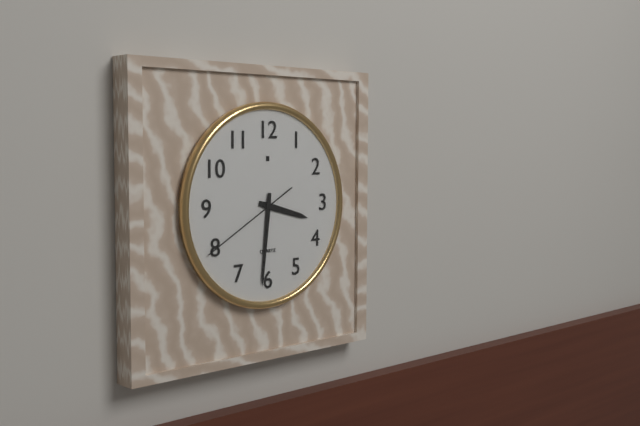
3:31:40
